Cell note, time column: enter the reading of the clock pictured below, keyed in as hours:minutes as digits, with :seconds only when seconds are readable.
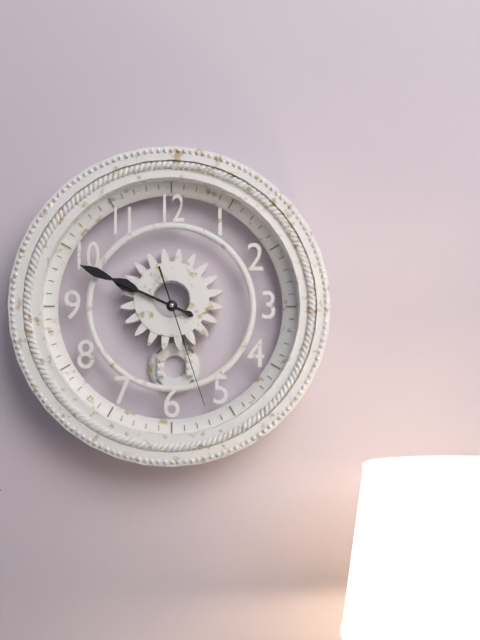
9:49:27
